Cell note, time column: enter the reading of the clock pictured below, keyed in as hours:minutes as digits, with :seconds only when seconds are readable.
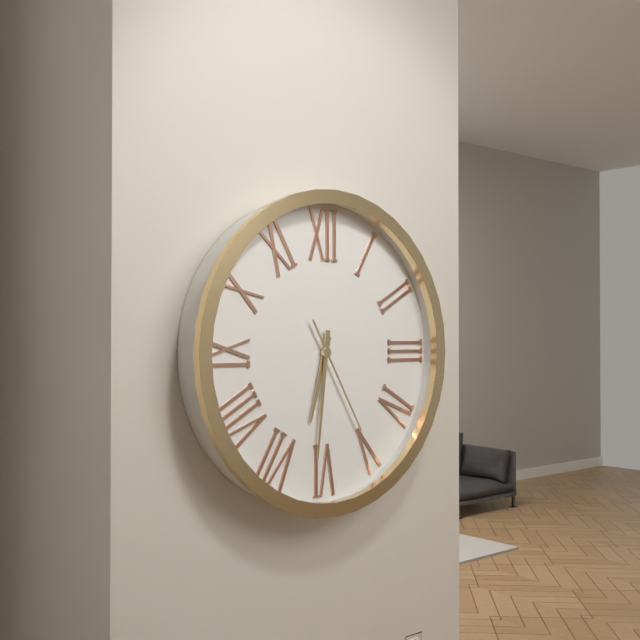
6:31:25
